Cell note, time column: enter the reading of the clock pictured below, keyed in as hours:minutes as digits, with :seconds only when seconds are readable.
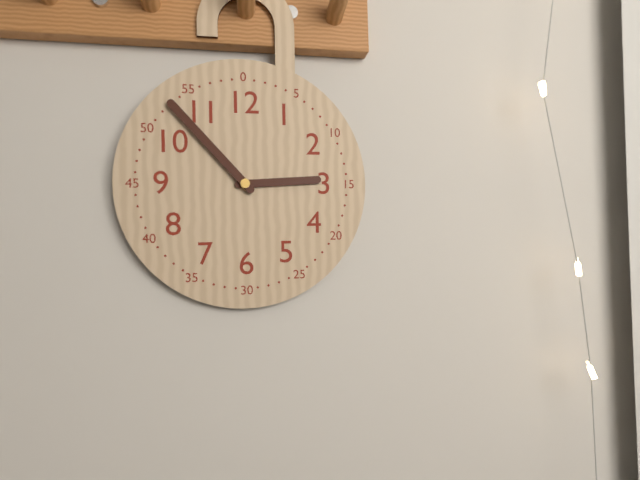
2:53
